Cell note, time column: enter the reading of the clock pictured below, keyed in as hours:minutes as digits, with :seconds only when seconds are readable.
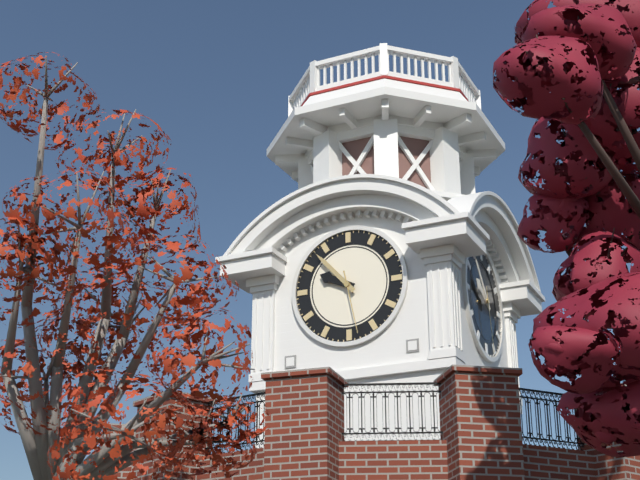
9:53:28
